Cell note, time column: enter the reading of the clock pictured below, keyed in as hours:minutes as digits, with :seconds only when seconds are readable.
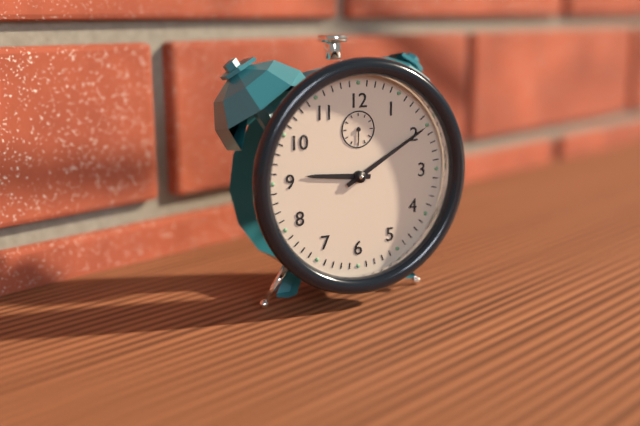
9:10
